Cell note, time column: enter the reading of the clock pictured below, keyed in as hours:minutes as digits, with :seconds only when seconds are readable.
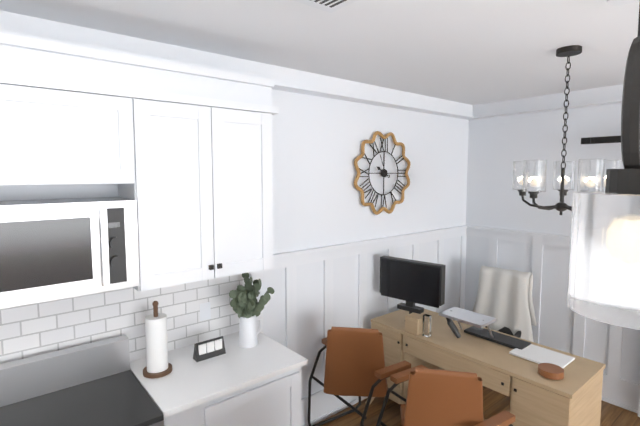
9:56
